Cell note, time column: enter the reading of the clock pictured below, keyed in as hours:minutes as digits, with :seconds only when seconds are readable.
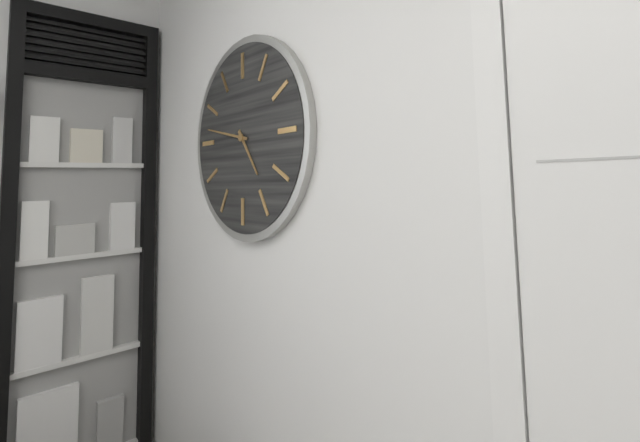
4:47
